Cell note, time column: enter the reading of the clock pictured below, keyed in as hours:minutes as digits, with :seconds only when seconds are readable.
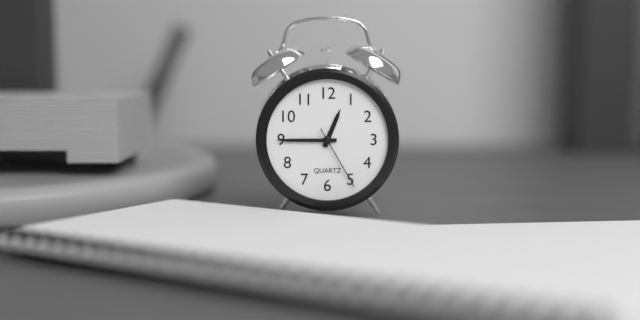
12:45:25
